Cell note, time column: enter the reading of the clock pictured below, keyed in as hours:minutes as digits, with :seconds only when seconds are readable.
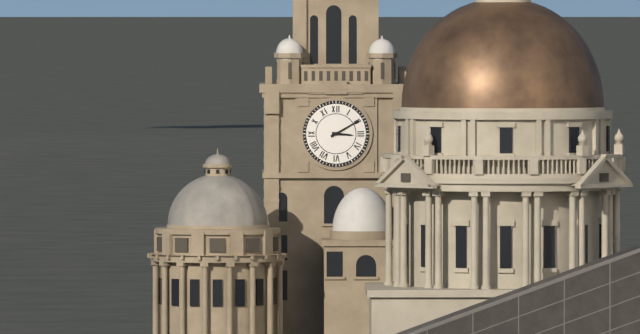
3:10
